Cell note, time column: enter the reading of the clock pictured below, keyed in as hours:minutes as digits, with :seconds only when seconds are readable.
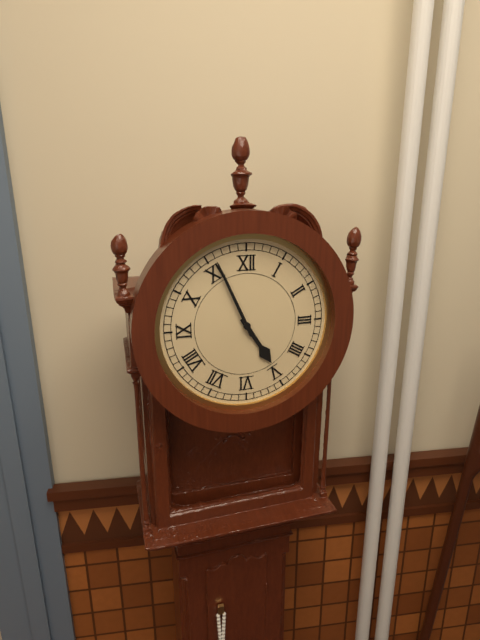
4:56
